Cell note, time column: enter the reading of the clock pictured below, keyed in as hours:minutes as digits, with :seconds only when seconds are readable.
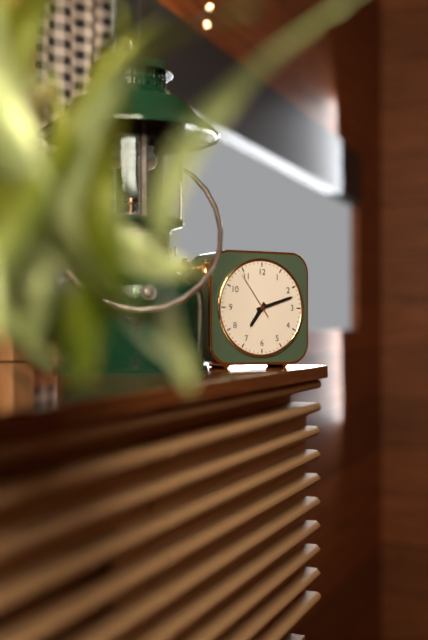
7:12
